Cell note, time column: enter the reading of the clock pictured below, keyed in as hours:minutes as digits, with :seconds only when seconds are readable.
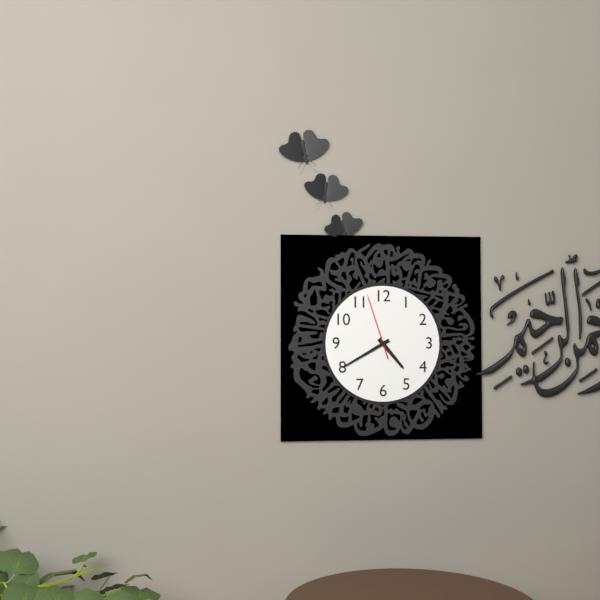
4:40:57
